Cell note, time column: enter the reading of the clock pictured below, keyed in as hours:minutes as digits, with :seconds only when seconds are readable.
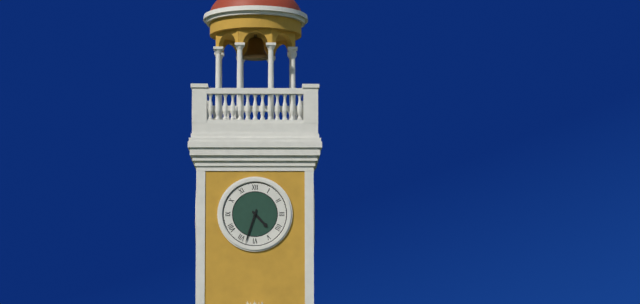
4:33
